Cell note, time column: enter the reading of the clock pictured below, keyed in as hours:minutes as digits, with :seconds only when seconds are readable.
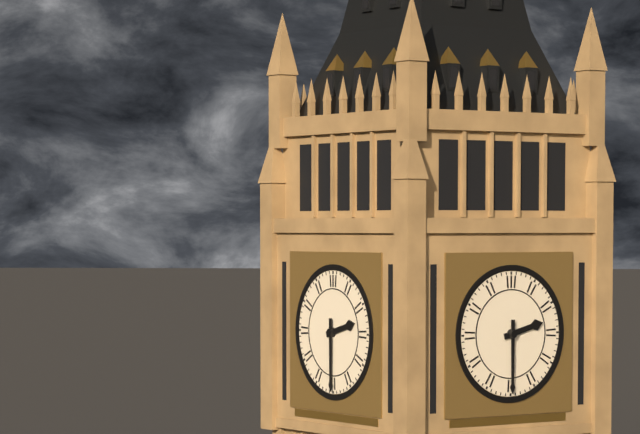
2:30
